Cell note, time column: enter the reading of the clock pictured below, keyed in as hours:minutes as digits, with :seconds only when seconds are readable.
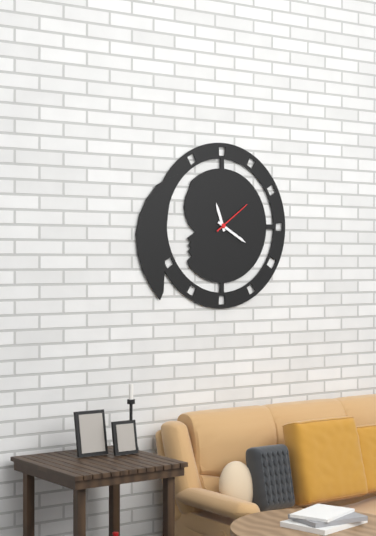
11:20
